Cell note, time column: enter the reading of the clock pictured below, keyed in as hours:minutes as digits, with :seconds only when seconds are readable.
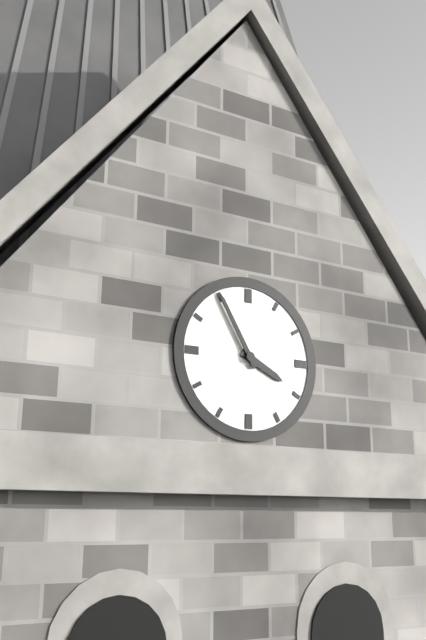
3:55
